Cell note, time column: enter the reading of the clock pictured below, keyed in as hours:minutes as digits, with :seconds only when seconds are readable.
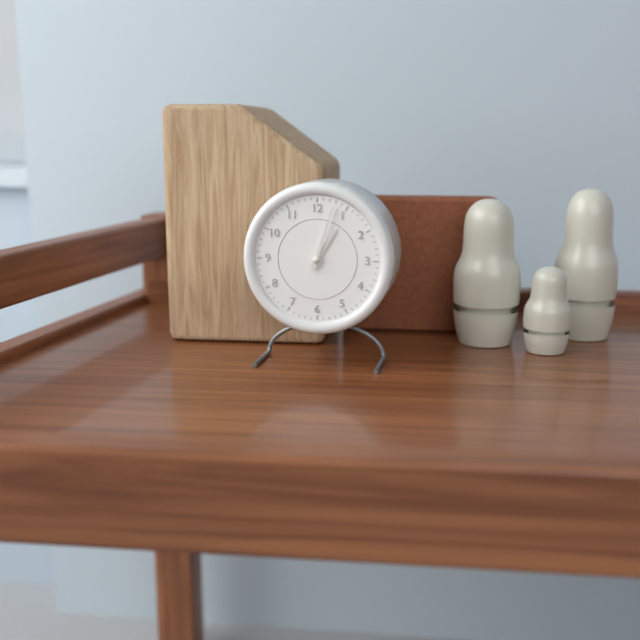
1:03
